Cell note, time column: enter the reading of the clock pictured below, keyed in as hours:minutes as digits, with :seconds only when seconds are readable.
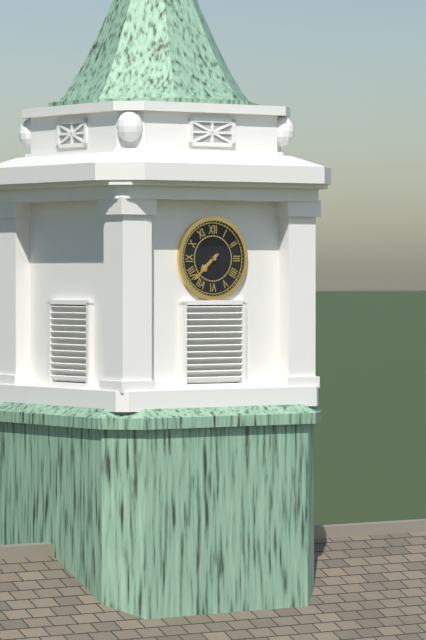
7:38
